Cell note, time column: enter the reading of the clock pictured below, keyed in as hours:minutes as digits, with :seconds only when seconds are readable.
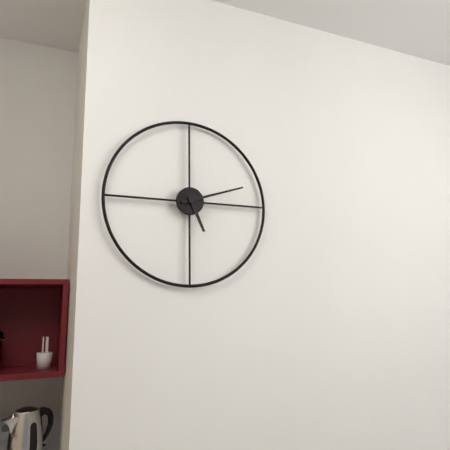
5:12
